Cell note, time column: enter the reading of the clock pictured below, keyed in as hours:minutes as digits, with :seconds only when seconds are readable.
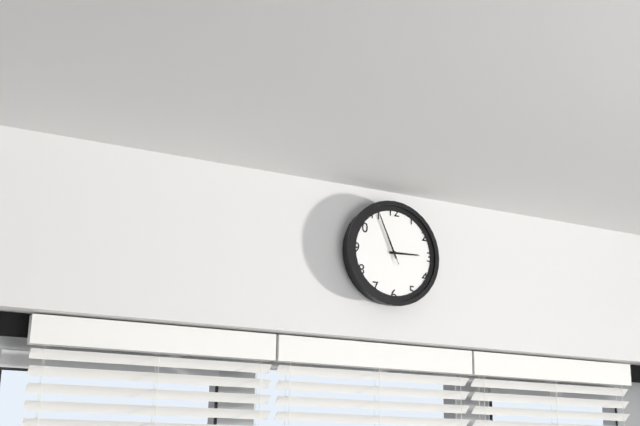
2:56:56
